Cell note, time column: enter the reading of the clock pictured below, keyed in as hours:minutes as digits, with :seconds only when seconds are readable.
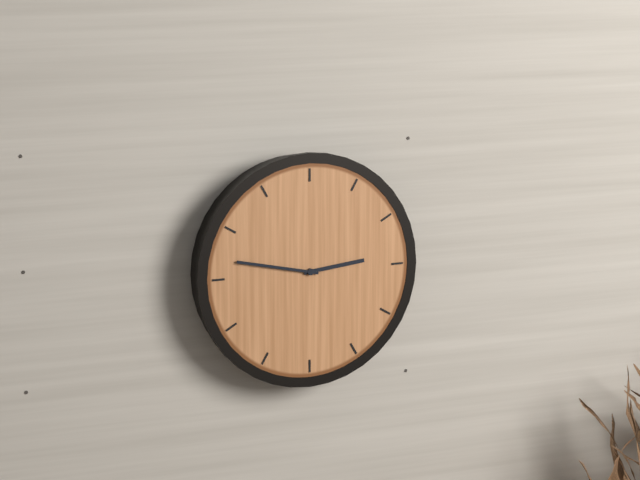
2:47
